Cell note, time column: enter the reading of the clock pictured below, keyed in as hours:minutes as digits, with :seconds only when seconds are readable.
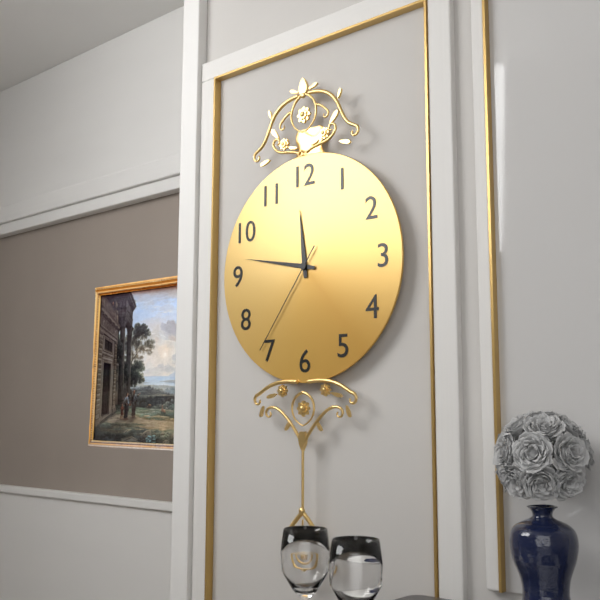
11:47:36
